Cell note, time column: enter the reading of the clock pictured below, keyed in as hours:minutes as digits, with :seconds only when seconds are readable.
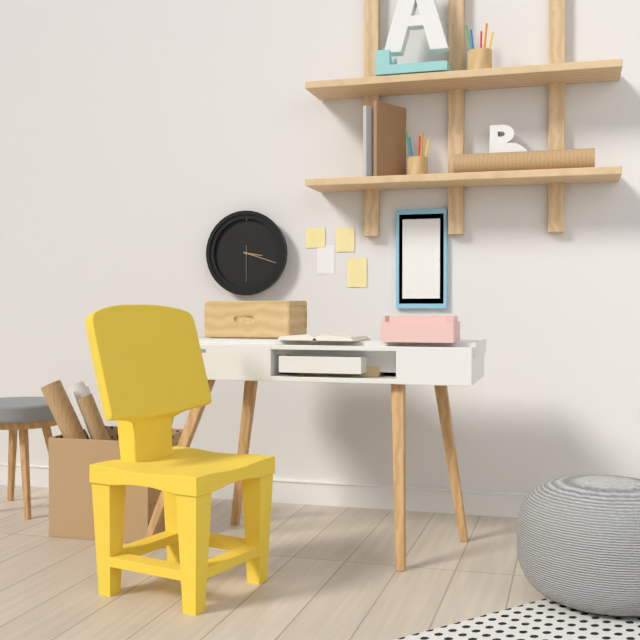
3:18
